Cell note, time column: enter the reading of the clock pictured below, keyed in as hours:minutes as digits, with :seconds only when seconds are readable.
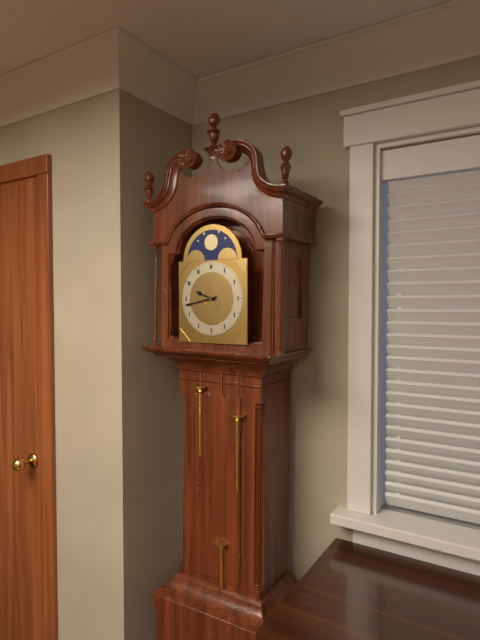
9:43
